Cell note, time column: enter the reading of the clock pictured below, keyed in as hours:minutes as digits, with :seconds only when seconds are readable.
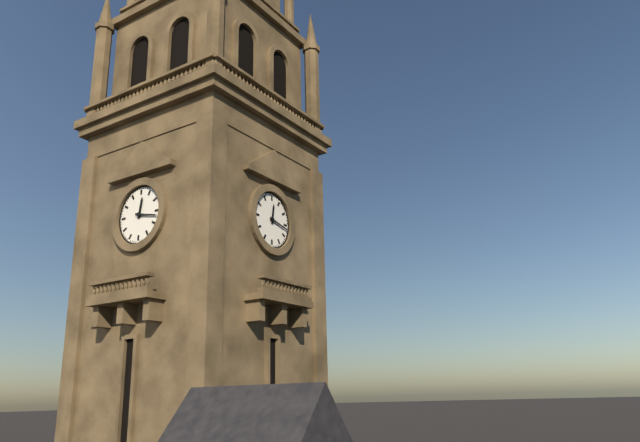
12:17
